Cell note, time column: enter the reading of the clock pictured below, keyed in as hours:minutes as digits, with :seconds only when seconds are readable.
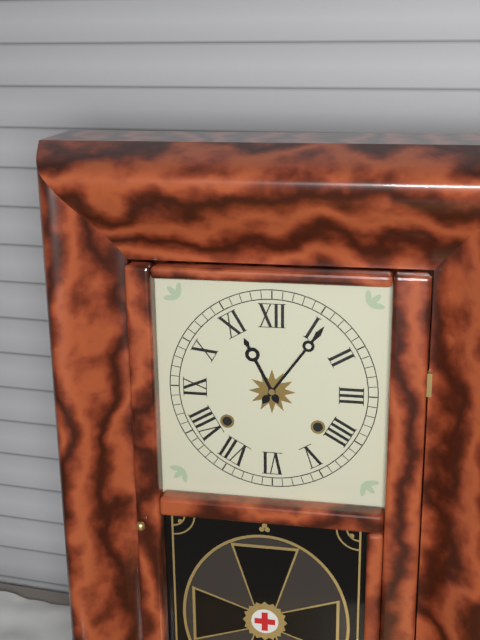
11:06
